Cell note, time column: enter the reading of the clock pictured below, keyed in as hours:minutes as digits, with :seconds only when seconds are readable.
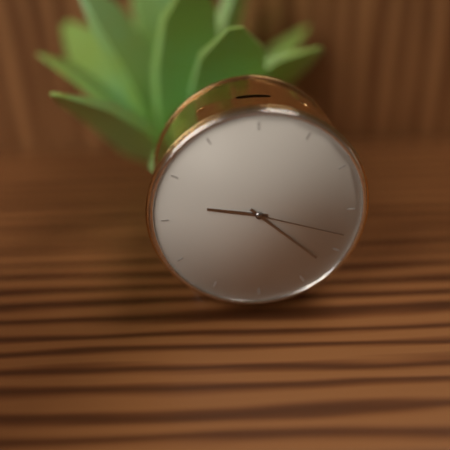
9:22:18
